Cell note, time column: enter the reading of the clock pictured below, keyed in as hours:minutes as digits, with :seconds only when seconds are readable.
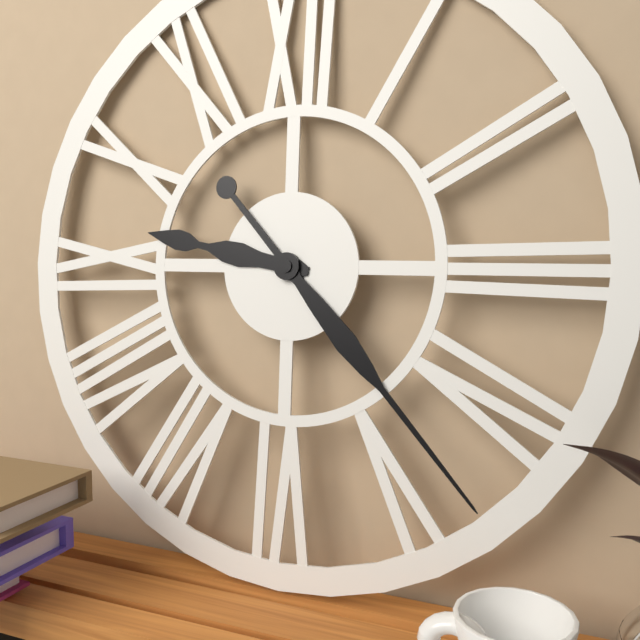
9:23
